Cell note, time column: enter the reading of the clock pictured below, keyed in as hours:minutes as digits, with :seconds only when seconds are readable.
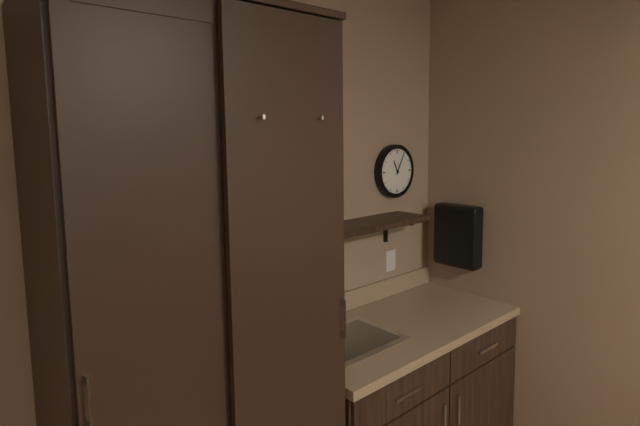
11:05
